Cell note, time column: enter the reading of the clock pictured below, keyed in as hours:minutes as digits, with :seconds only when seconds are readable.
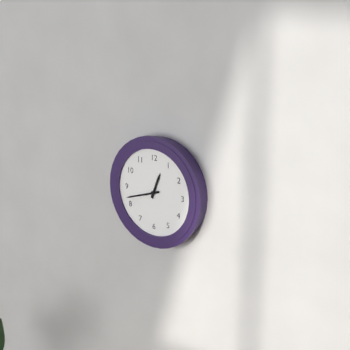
12:42
